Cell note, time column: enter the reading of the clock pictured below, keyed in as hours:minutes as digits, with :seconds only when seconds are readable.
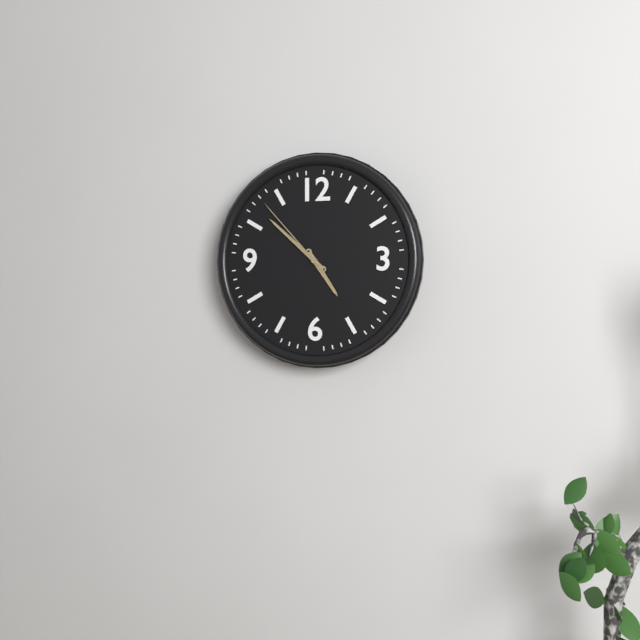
4:52:53
